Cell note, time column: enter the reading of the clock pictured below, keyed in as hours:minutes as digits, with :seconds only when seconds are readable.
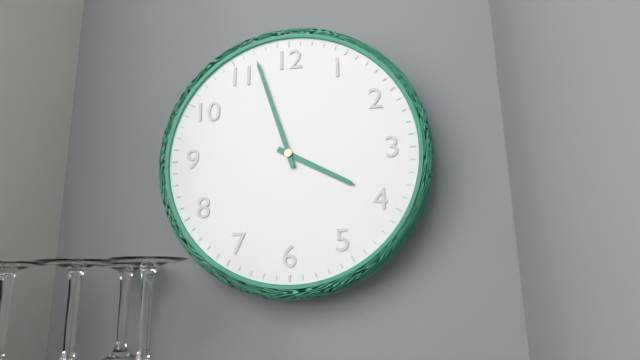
3:57
